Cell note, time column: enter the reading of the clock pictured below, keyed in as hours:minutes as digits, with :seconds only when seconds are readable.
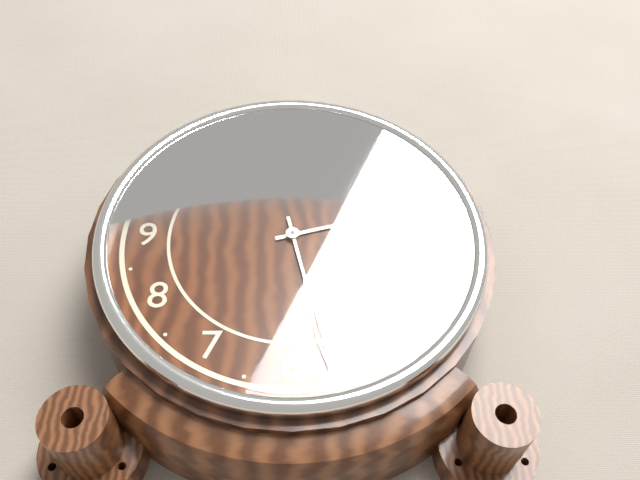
2:28
